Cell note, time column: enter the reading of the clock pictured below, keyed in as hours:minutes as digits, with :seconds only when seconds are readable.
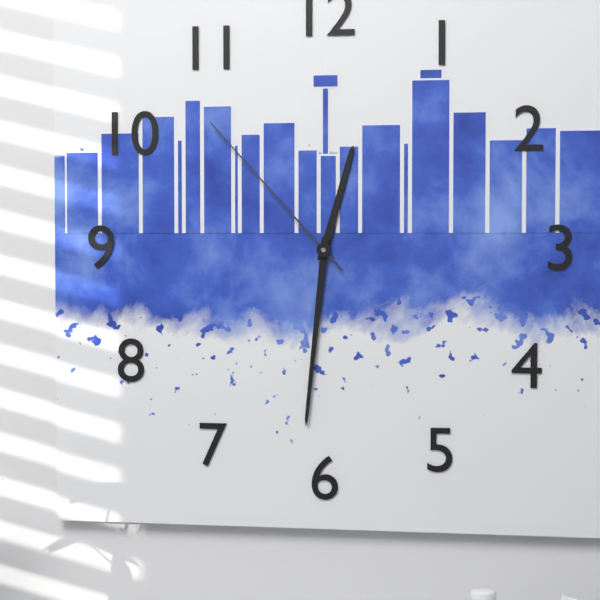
12:31:53
